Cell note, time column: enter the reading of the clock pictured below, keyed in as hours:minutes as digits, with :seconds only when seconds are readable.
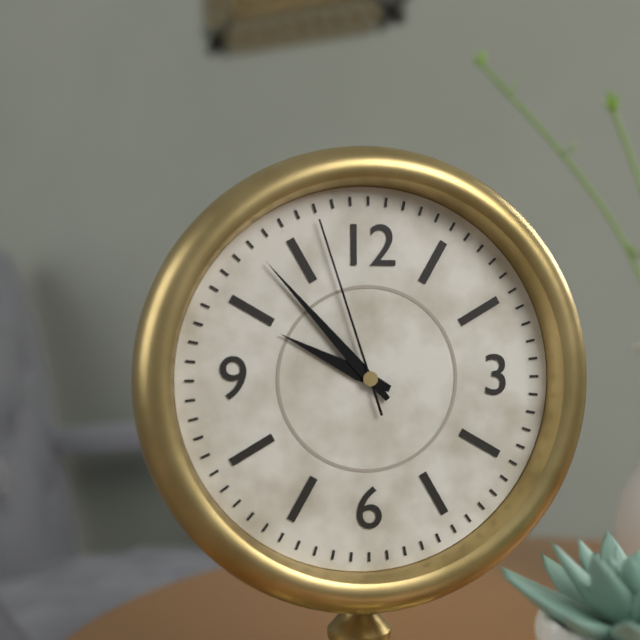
9:53:57
